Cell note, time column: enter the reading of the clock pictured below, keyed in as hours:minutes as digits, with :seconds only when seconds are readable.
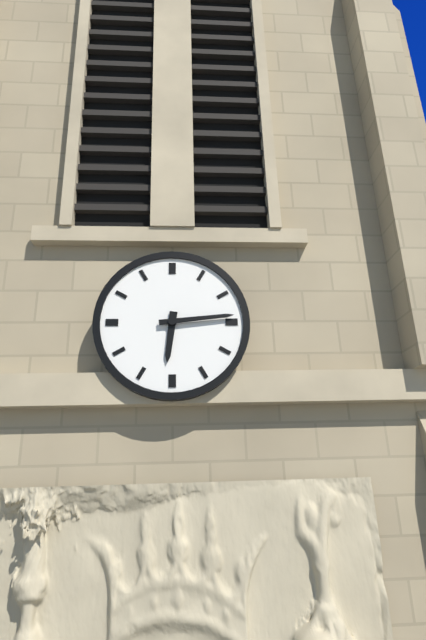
6:14
